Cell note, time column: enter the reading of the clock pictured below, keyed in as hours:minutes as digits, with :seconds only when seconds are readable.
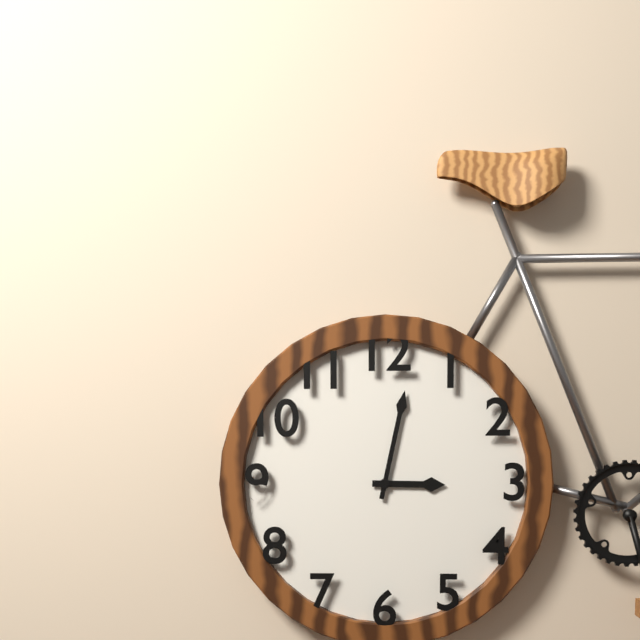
3:02
